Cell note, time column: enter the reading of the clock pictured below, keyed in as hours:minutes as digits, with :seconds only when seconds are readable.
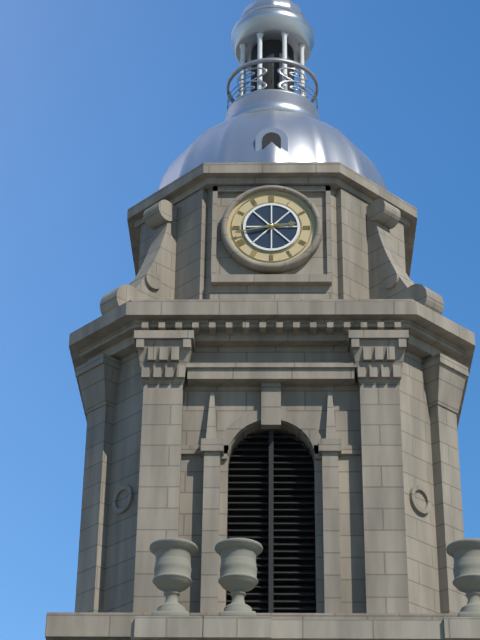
2:43
